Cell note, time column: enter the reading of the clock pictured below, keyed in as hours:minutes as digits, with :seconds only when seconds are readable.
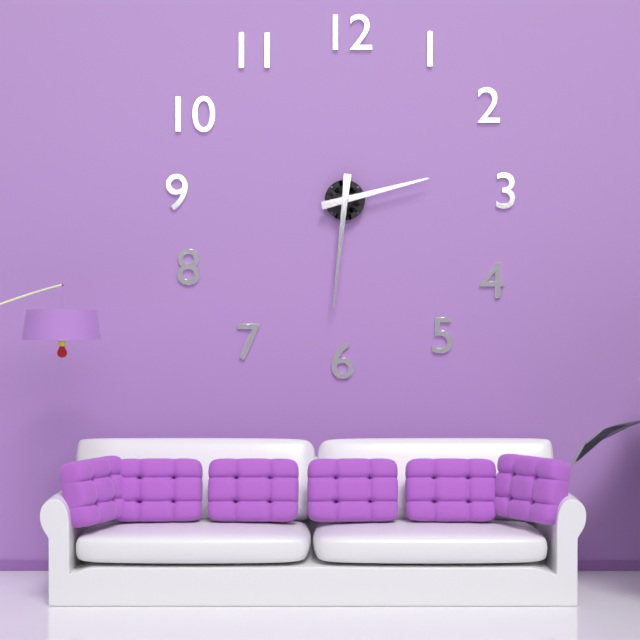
2:31
